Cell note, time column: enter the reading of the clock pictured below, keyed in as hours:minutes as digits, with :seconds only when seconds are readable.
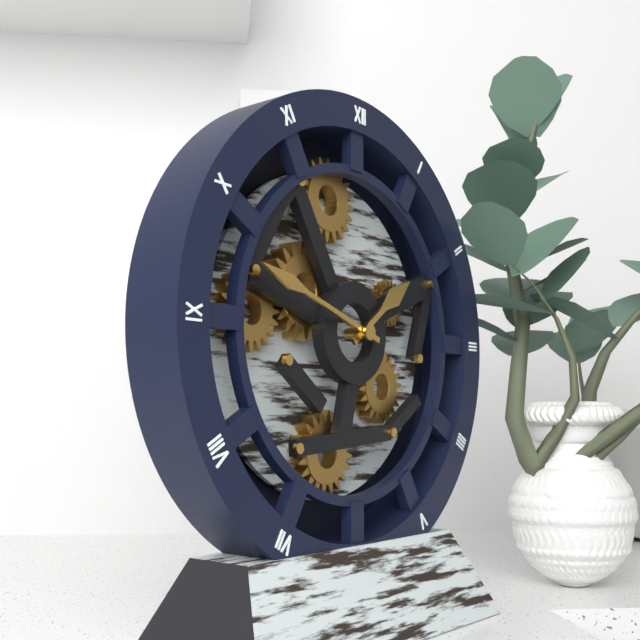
1:48
